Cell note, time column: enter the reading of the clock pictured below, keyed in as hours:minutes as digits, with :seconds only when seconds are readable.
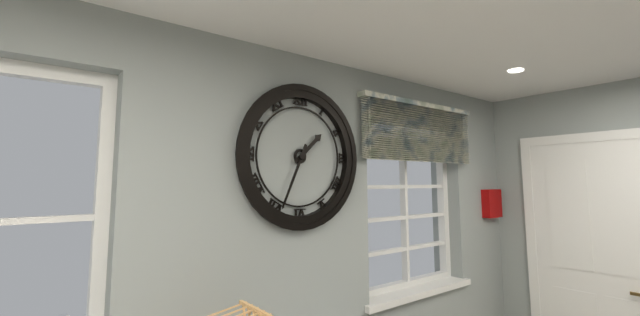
1:34
